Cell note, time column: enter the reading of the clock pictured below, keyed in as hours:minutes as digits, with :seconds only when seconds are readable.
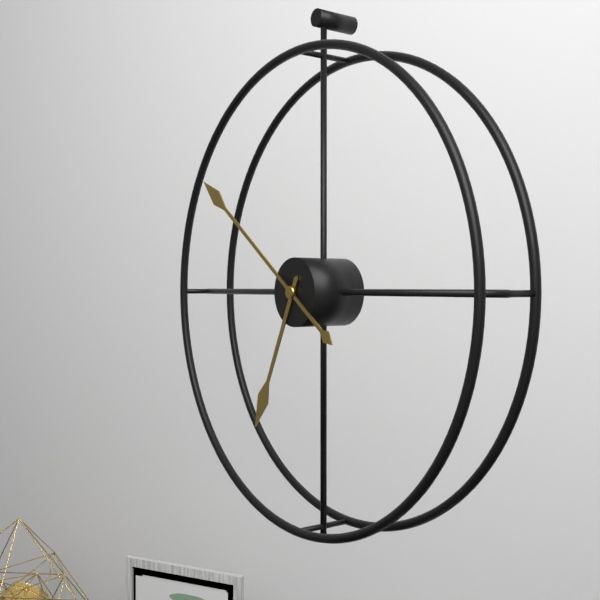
6:51
